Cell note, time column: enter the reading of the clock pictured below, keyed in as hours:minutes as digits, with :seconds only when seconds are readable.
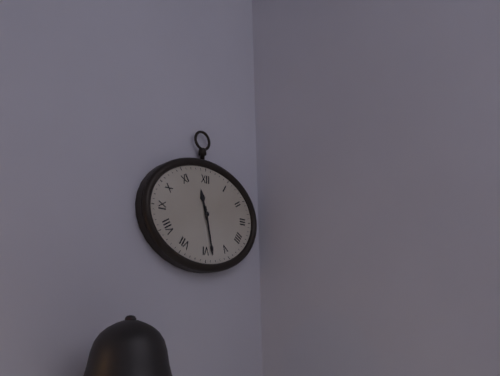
11:28
